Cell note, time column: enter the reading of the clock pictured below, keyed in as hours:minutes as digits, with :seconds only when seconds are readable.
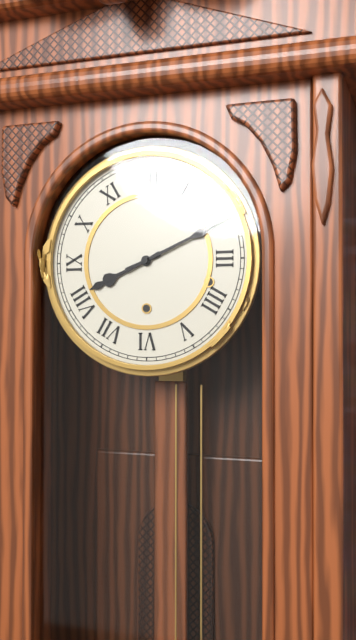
8:11
